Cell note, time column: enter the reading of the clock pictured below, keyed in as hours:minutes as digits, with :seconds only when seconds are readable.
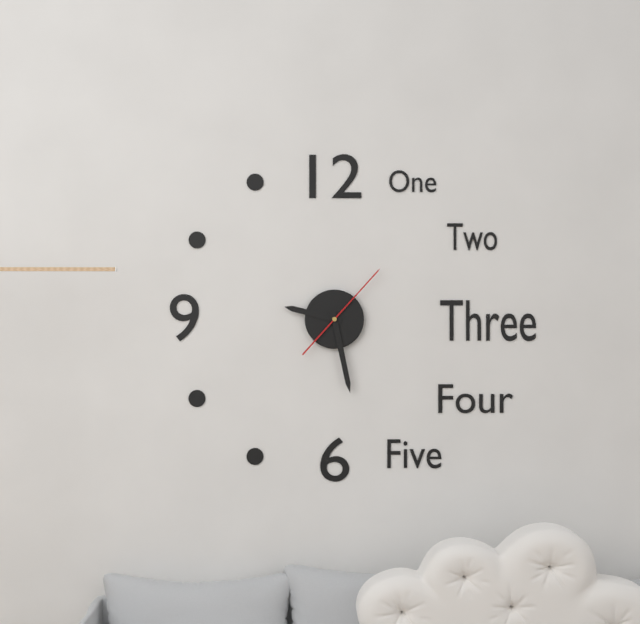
9:28:07
